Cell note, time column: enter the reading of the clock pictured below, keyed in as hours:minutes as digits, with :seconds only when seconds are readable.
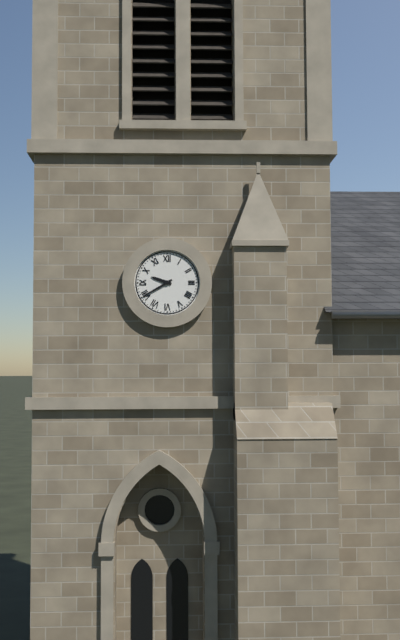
9:40
